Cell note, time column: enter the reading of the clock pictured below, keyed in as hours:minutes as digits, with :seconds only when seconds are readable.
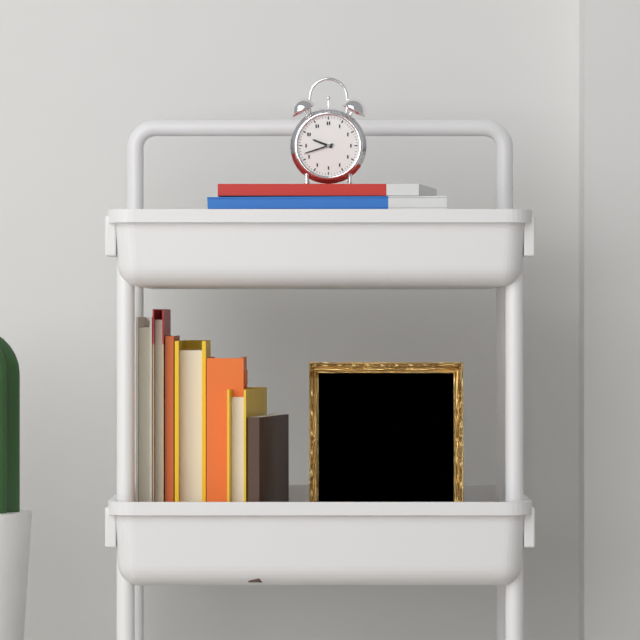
9:42
